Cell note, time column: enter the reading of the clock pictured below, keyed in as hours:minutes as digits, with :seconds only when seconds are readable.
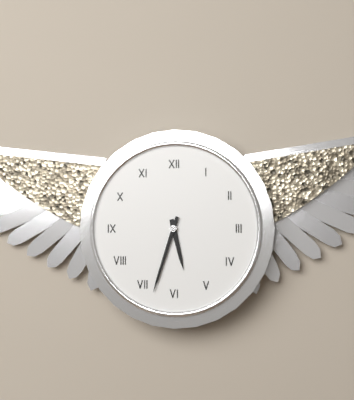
5:33
